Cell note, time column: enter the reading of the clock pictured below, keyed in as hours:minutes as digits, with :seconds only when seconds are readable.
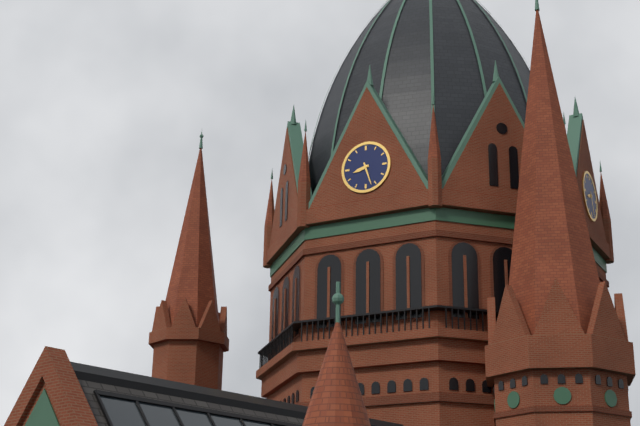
8:27
